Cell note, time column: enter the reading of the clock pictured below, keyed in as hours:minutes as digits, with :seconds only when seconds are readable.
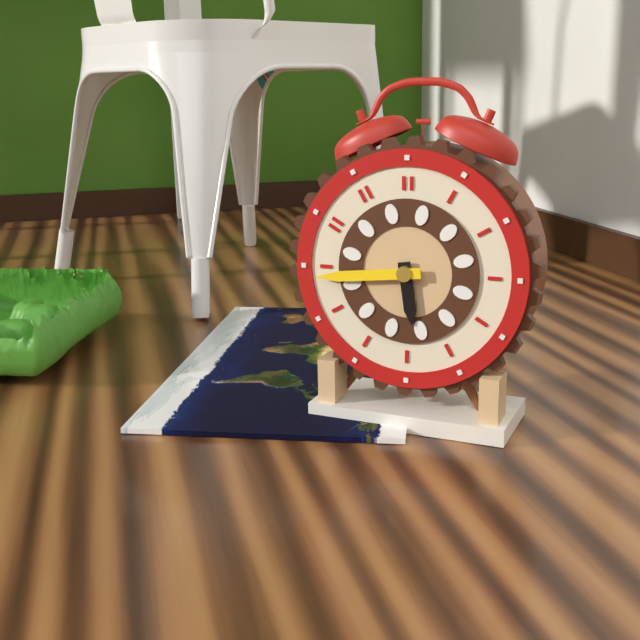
5:44
